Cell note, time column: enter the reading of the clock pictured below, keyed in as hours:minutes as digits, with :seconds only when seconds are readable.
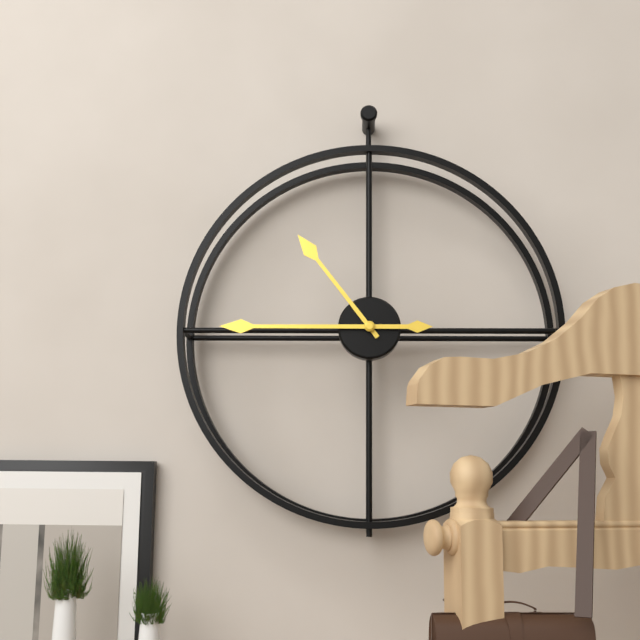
10:45
